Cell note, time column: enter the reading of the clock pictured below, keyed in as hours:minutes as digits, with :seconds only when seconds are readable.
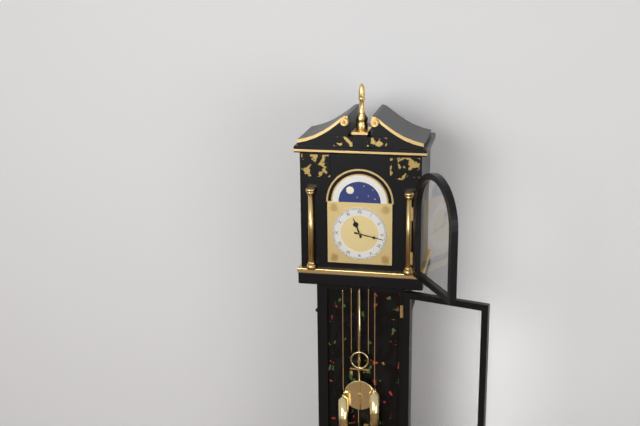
11:17
